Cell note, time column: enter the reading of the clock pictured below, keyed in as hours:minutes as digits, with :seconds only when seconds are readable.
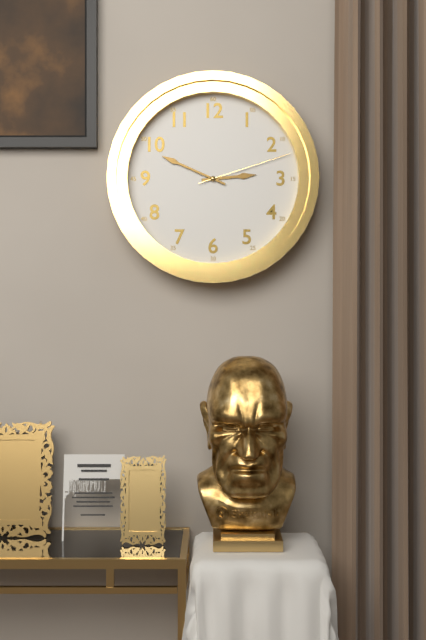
2:49:12
